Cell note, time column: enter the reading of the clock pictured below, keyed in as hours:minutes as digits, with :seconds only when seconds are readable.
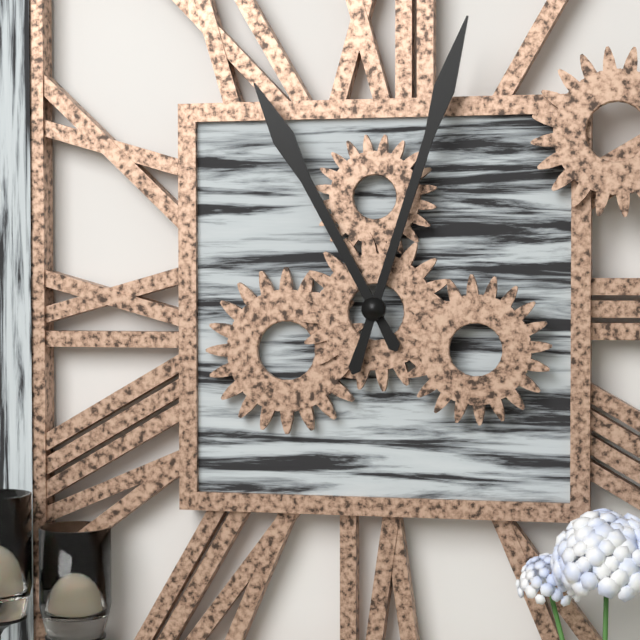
11:03
